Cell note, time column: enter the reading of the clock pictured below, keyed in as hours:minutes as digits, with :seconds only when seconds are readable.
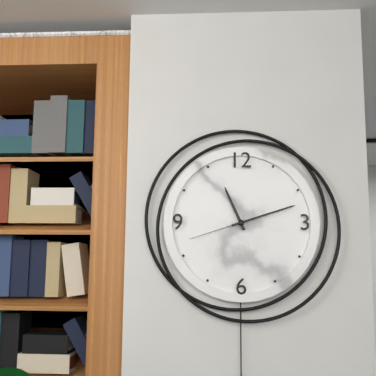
11:12:42
